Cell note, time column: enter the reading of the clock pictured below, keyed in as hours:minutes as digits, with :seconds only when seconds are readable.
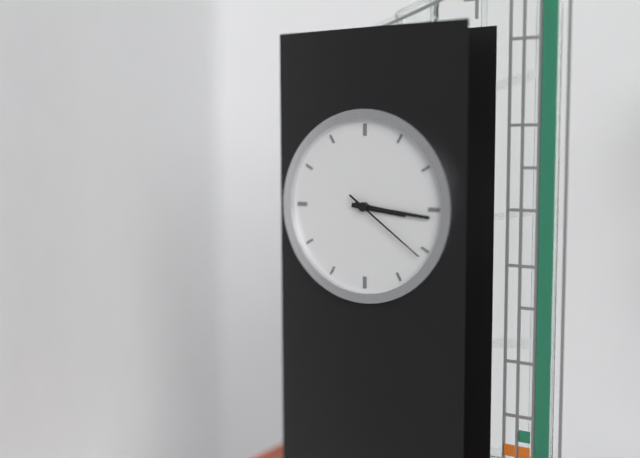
3:16:21
